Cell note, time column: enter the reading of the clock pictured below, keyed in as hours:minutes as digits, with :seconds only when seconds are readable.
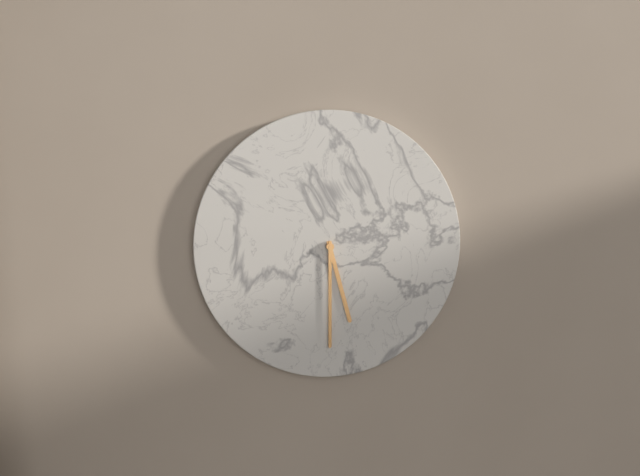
5:30
